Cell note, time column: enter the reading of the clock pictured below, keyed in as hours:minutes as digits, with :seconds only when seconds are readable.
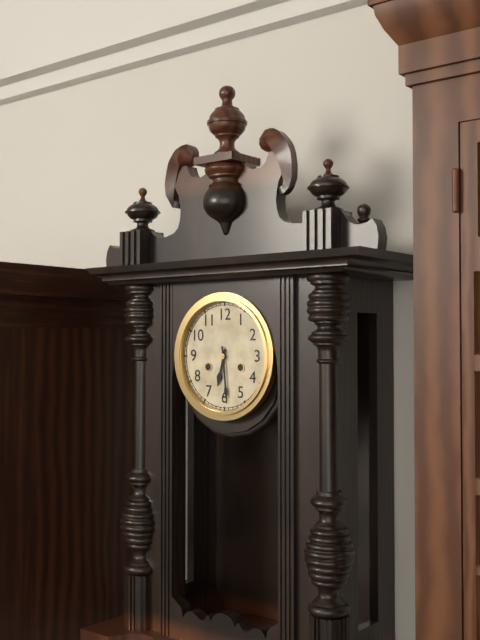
6:29
